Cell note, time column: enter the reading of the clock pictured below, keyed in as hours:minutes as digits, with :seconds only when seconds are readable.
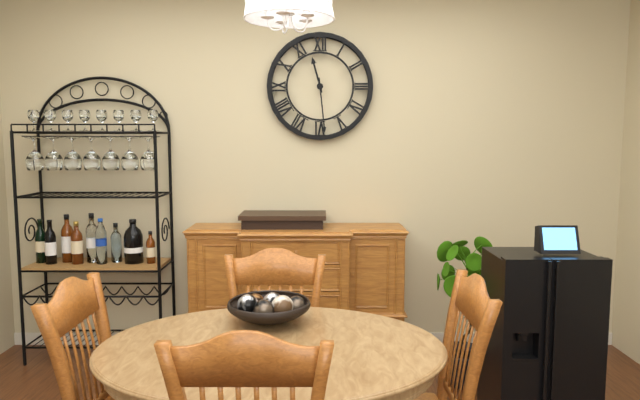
11:29
